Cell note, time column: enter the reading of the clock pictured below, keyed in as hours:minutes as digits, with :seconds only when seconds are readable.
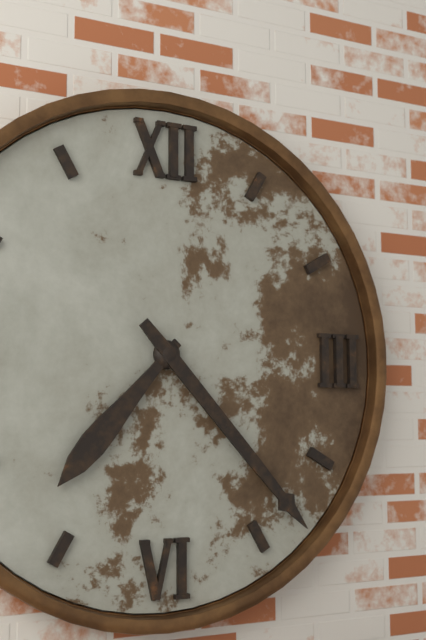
7:23
